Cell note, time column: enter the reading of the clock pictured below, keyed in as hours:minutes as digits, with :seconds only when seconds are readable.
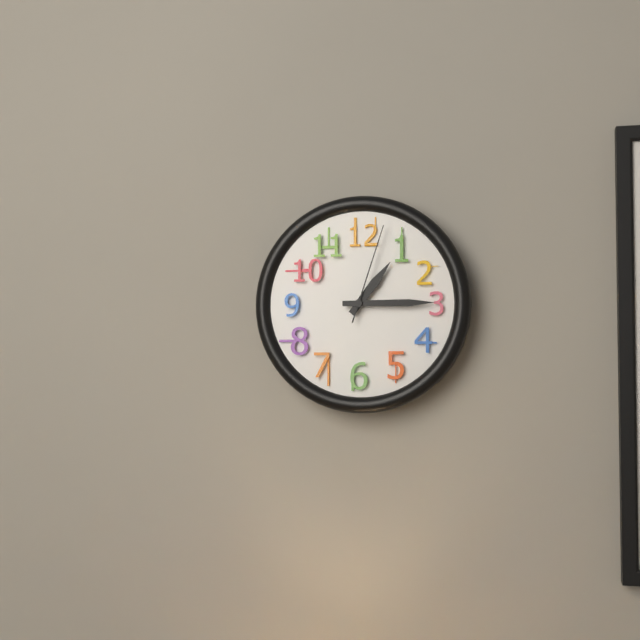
1:15:03
